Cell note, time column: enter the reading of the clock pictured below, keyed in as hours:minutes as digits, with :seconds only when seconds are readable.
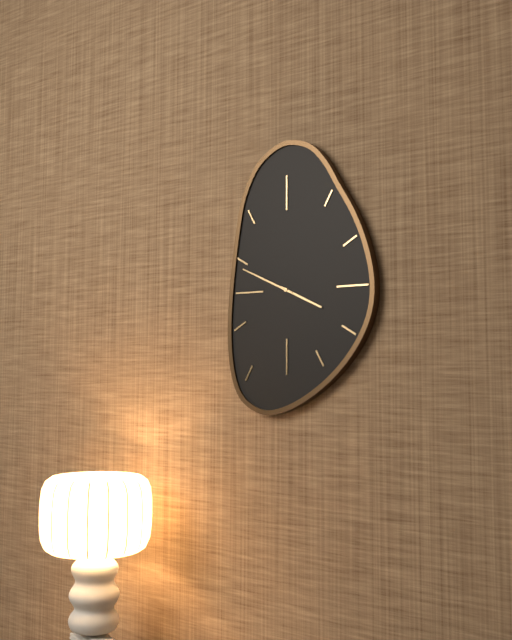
3:49
